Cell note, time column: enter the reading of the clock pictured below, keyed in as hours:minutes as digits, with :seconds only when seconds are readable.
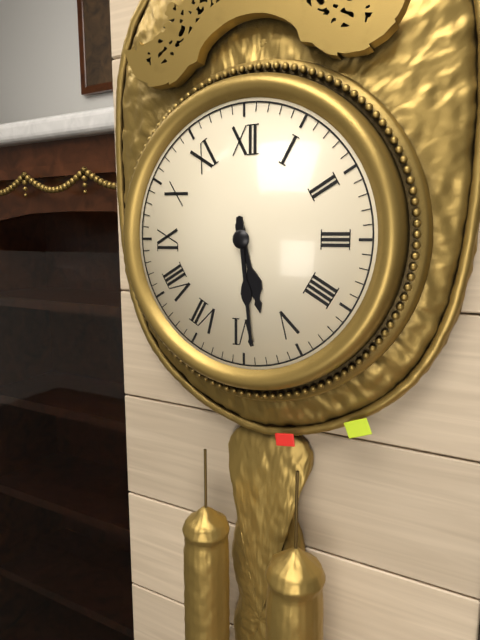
5:29
